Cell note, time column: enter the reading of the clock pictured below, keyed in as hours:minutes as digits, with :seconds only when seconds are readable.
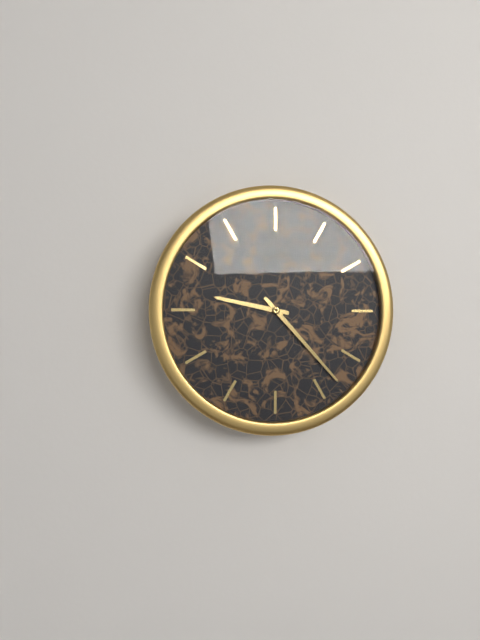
9:23
